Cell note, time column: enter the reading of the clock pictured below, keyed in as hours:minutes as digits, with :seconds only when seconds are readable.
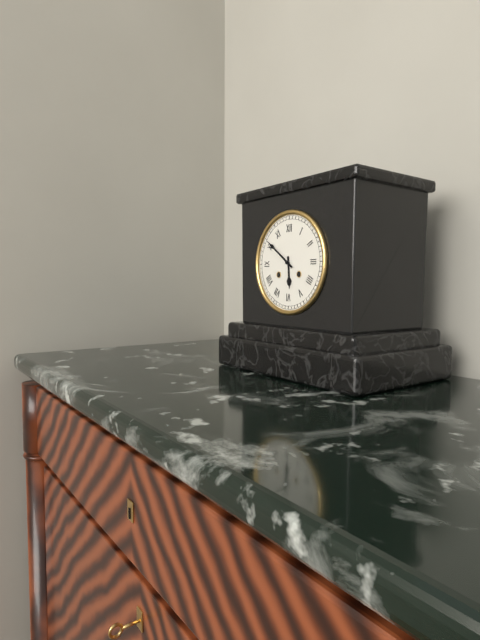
5:51
